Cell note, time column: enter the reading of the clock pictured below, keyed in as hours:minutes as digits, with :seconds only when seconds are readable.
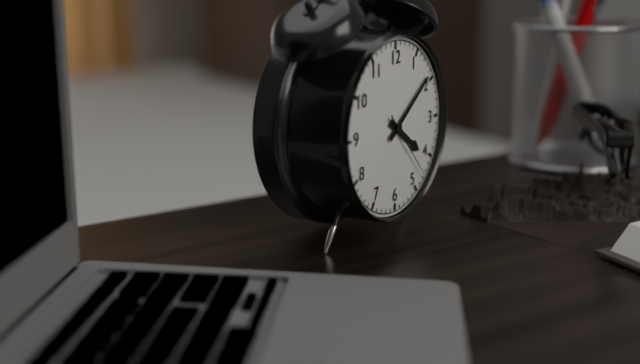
4:09:23
